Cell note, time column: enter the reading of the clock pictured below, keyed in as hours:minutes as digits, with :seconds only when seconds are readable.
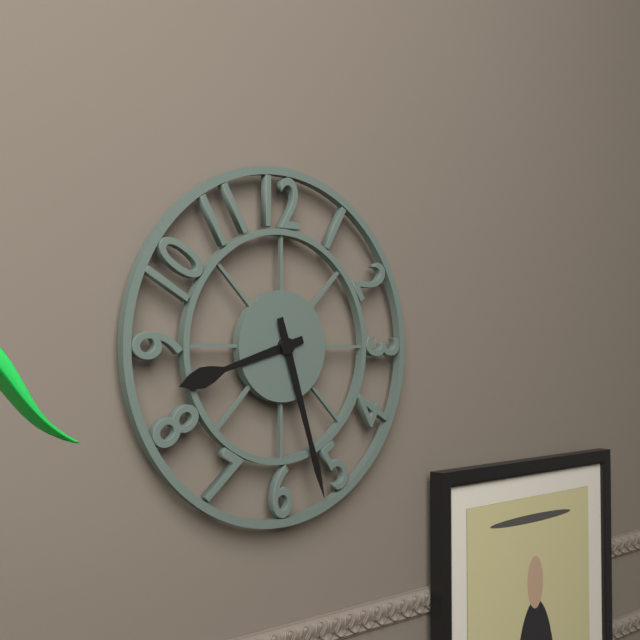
8:27
